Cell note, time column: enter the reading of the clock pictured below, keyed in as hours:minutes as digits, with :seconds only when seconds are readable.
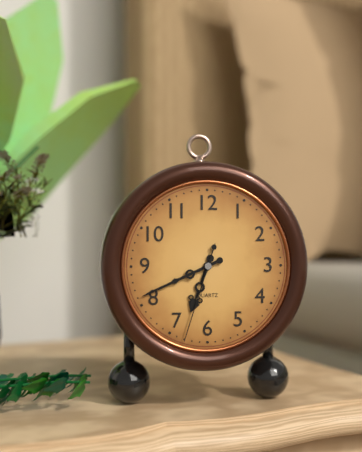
6:41:33
